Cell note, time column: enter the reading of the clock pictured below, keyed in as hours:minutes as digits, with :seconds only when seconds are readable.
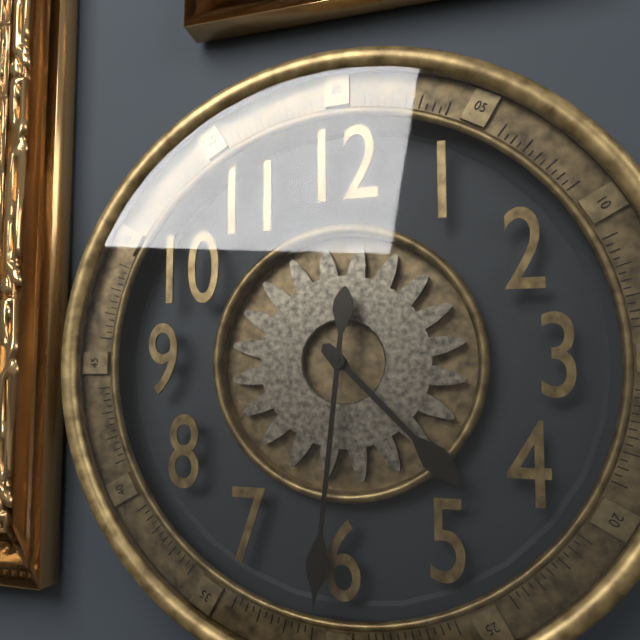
4:31
